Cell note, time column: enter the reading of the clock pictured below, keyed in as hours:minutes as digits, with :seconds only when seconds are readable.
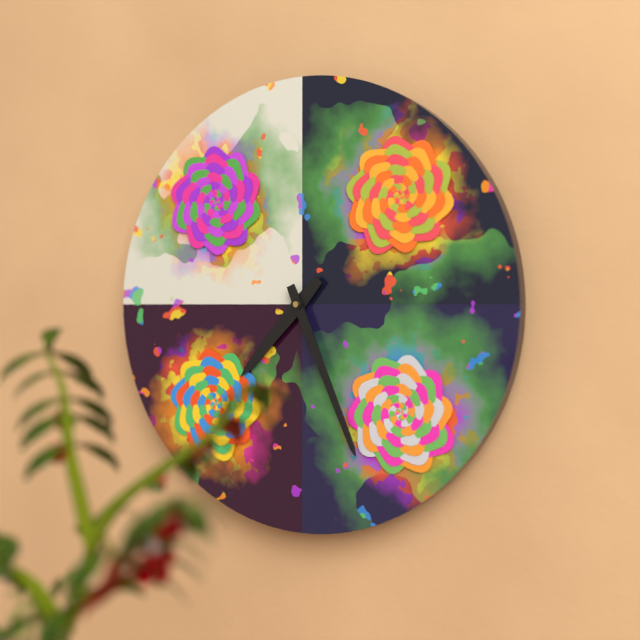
7:26
